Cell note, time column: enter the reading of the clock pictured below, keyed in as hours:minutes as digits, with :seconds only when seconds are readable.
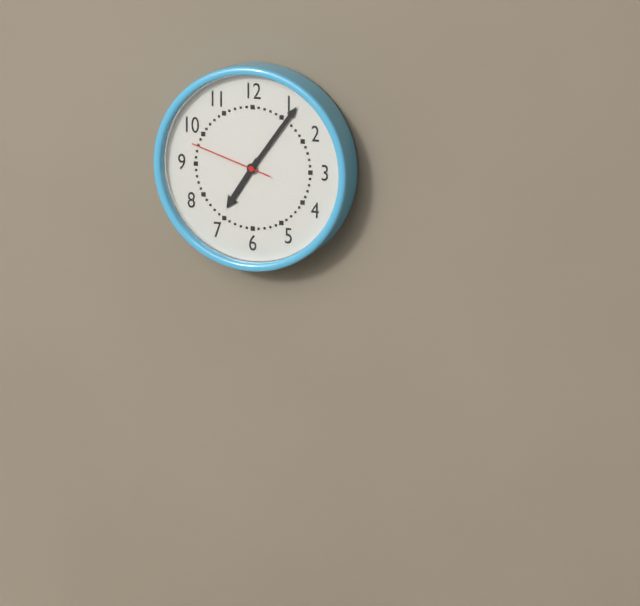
7:06:48
